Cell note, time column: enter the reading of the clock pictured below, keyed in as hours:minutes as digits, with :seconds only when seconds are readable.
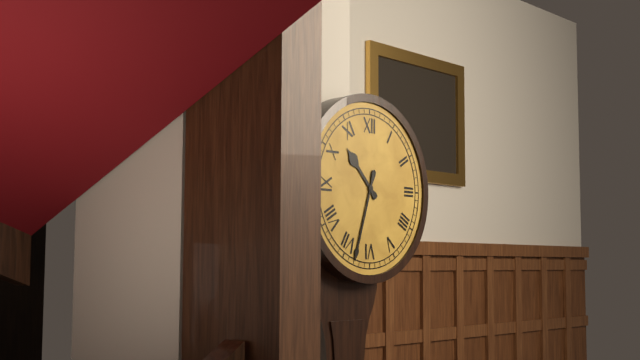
10:33
